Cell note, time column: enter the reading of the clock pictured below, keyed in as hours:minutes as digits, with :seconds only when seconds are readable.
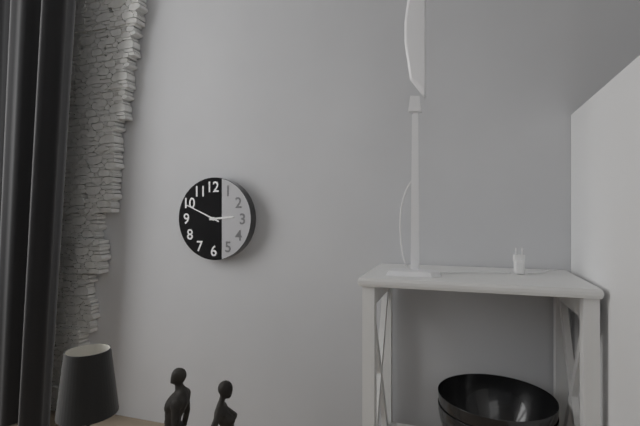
2:49
